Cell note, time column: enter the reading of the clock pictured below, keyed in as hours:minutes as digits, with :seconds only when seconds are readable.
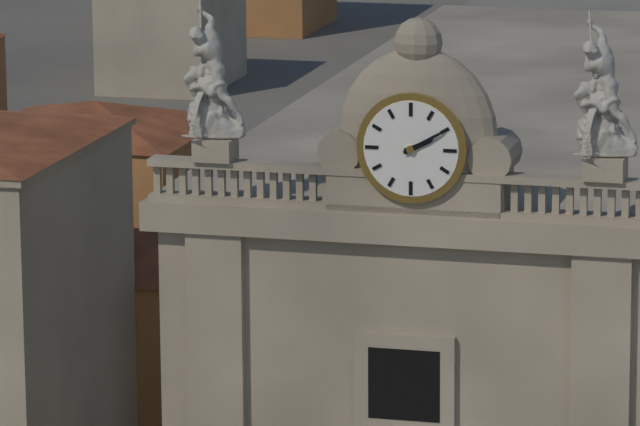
2:10
